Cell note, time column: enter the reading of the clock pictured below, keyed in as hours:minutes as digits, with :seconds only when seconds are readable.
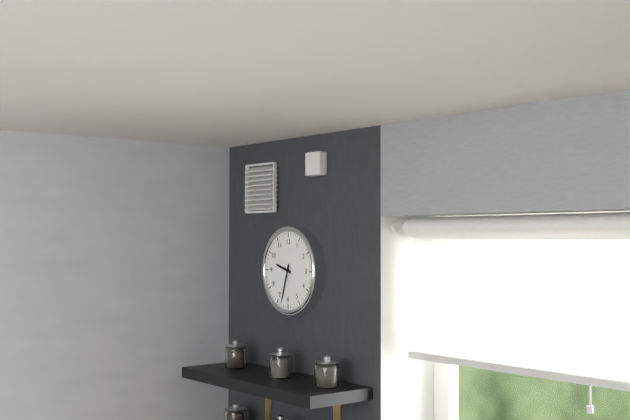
9:33
